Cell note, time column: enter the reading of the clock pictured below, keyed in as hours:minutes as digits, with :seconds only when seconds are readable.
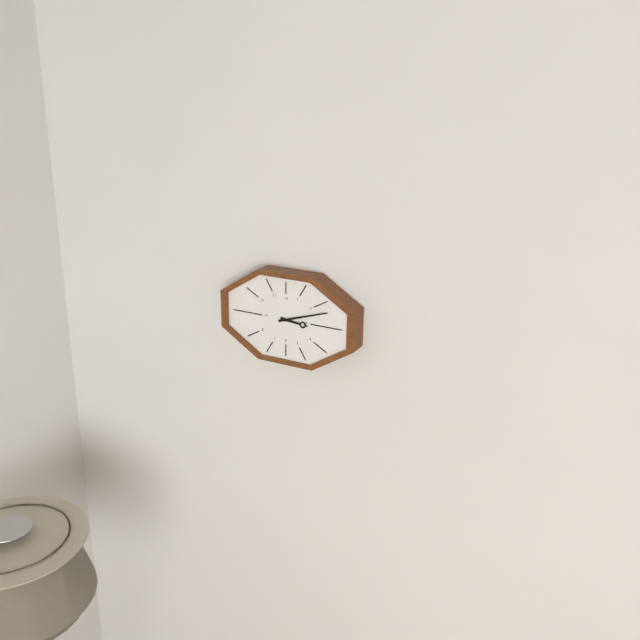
3:12
